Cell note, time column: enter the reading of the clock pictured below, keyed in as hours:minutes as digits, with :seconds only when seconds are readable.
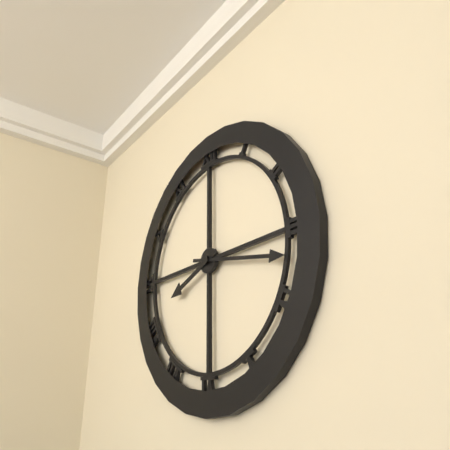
8:17
